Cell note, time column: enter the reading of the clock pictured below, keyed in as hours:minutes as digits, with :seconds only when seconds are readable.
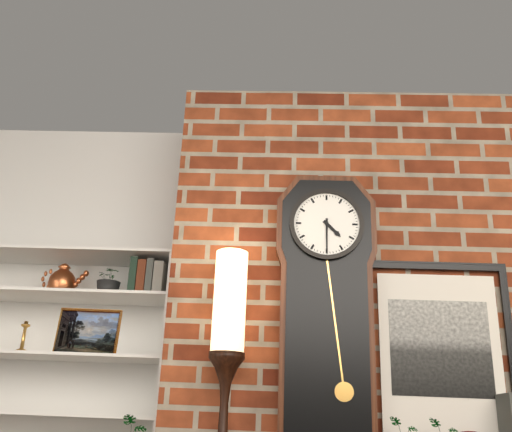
4:30
